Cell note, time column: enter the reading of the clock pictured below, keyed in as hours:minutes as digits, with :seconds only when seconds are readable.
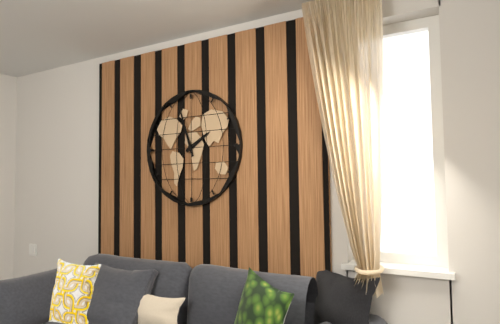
1:57
